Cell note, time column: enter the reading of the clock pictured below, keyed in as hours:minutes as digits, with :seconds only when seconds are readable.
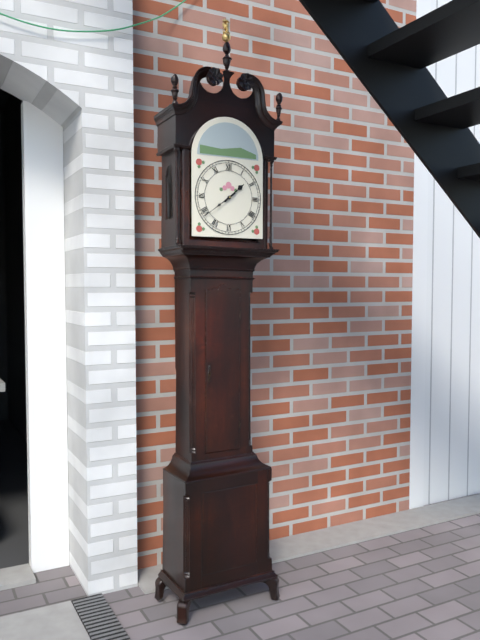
1:39
